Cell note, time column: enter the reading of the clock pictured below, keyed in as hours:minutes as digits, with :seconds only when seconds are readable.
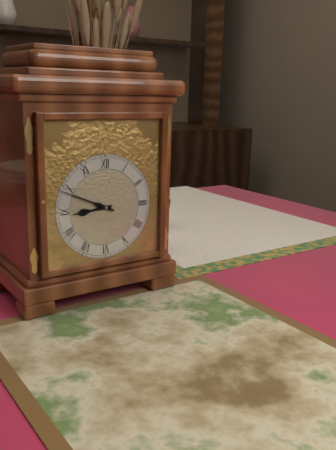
8:49
